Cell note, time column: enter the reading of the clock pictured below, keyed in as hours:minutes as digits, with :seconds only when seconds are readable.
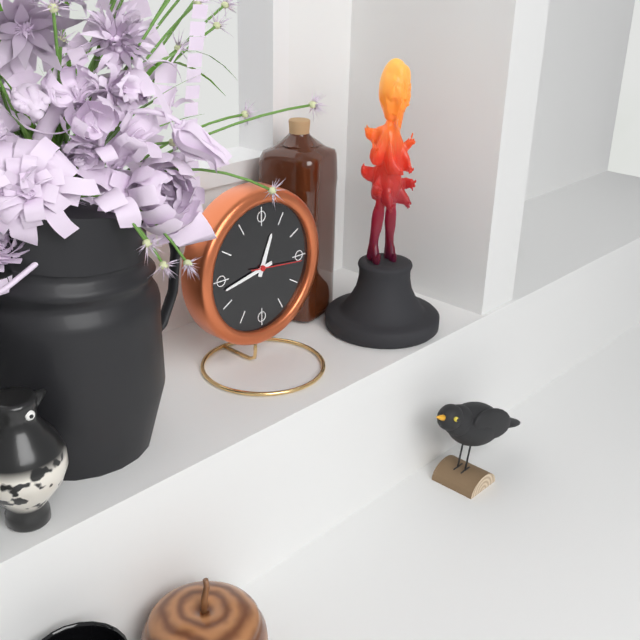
12:43:16
